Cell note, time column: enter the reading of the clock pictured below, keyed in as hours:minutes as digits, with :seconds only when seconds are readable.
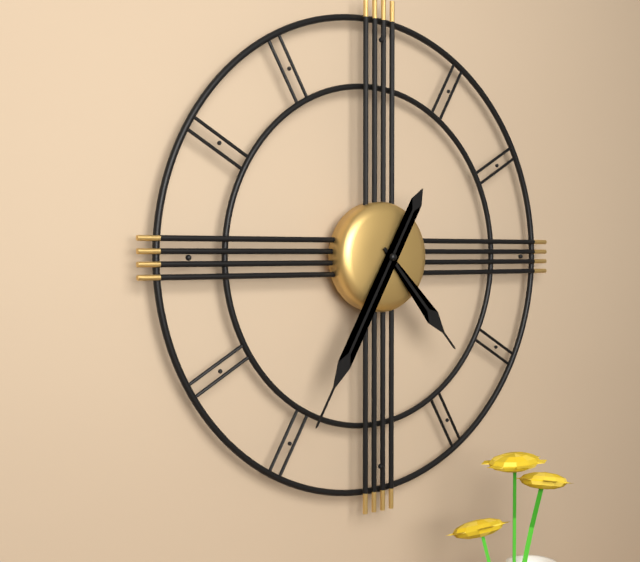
4:35
